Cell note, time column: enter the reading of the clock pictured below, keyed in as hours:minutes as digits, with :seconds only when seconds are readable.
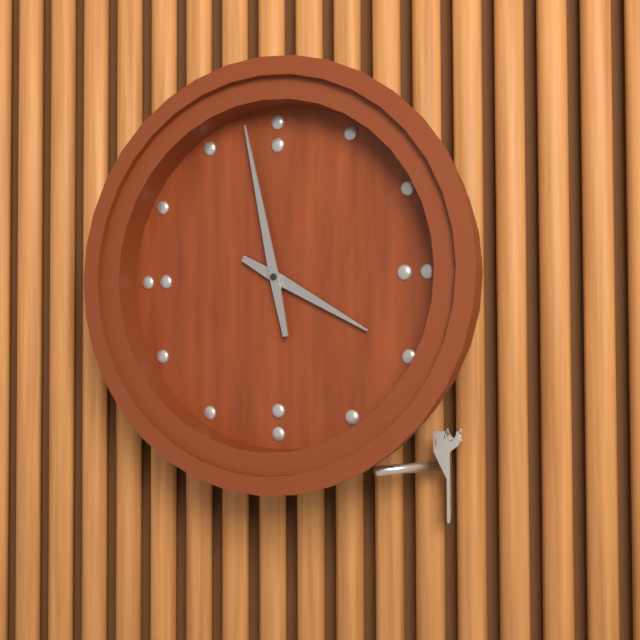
3:58
